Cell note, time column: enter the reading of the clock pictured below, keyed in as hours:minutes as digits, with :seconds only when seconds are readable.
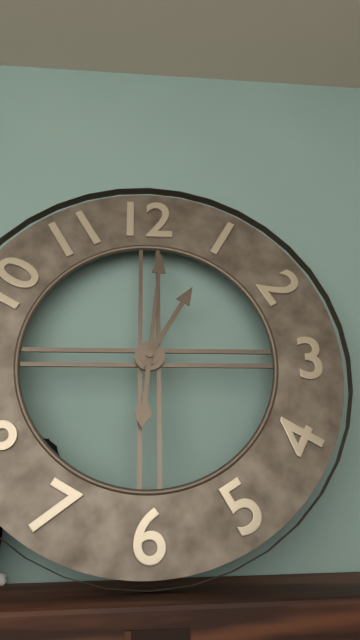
1:01
